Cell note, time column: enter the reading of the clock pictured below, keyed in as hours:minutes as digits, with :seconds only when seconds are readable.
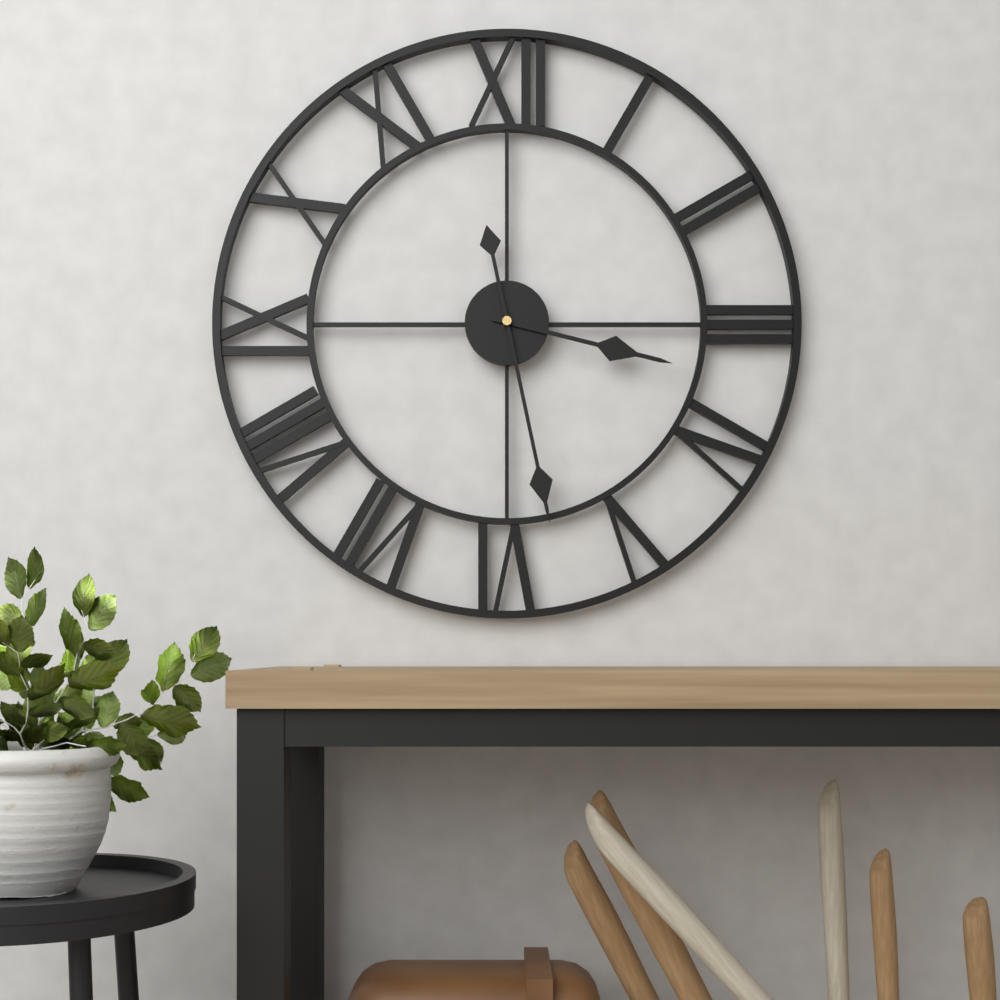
3:28
